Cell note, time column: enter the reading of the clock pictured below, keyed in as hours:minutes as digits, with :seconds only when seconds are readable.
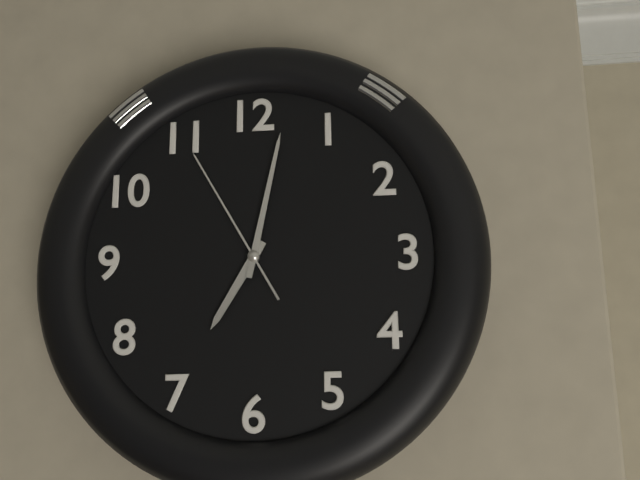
7:02:55
